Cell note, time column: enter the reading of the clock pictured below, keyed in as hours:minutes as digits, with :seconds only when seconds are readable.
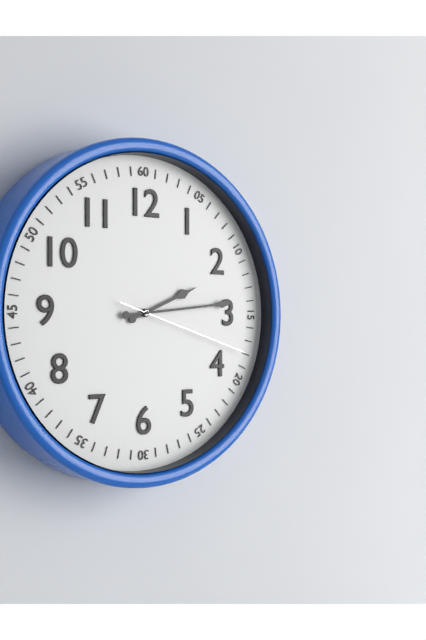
2:14:18
